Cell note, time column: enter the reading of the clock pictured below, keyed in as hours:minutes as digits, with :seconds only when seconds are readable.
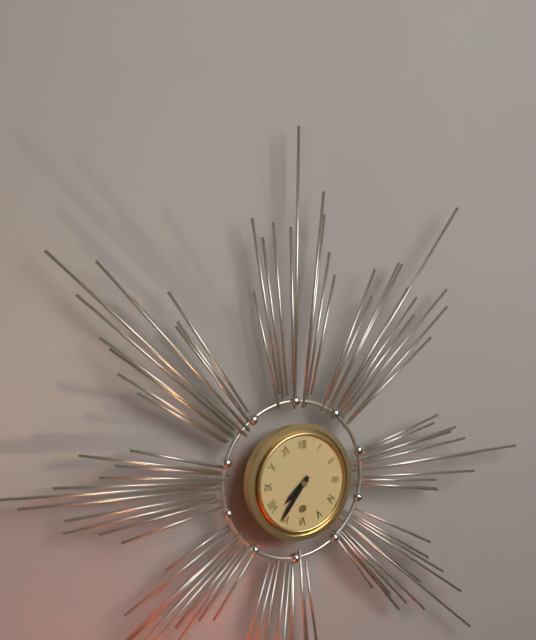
7:36
